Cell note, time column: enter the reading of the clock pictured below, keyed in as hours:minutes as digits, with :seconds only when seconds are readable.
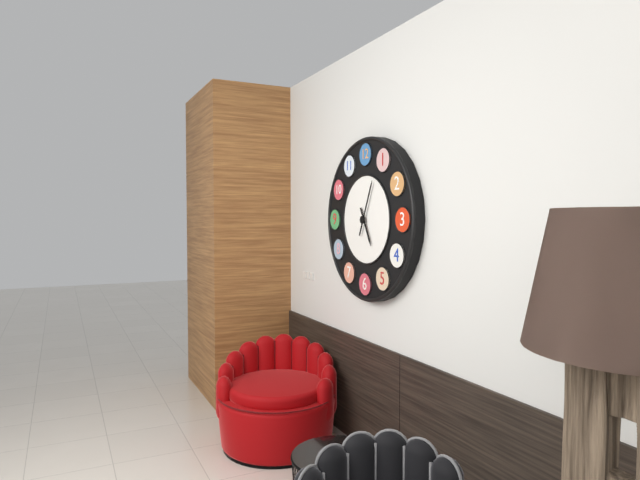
5:04
